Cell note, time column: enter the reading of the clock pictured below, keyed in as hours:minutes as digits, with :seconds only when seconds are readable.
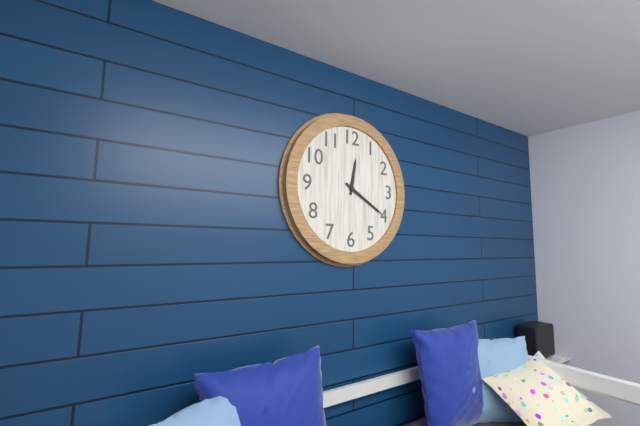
12:20
